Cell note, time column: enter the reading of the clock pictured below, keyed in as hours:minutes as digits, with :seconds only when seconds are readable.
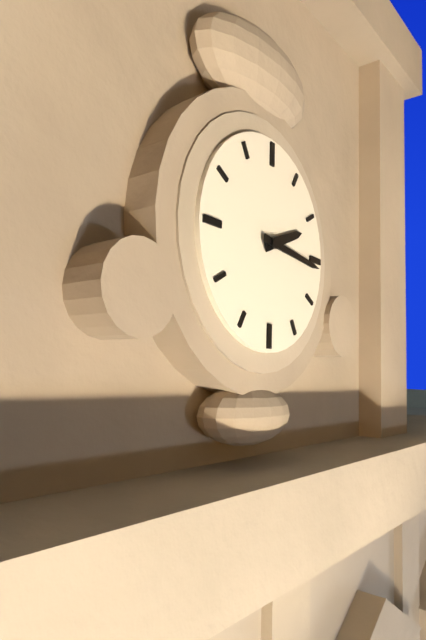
2:16
